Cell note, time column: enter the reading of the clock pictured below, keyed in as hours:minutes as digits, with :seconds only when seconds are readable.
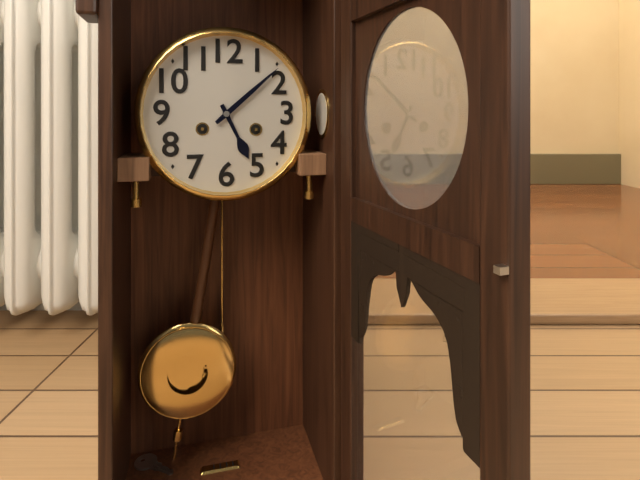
5:08
